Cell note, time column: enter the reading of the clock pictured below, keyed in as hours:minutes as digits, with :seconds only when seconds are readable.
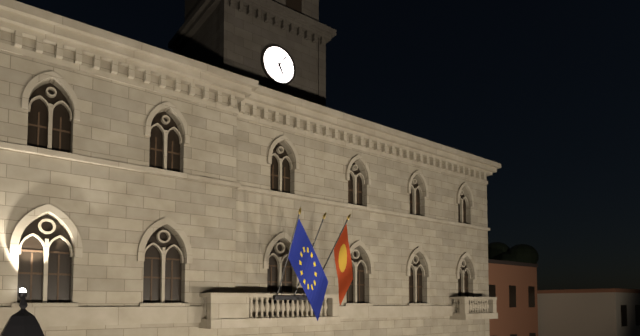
5:06
